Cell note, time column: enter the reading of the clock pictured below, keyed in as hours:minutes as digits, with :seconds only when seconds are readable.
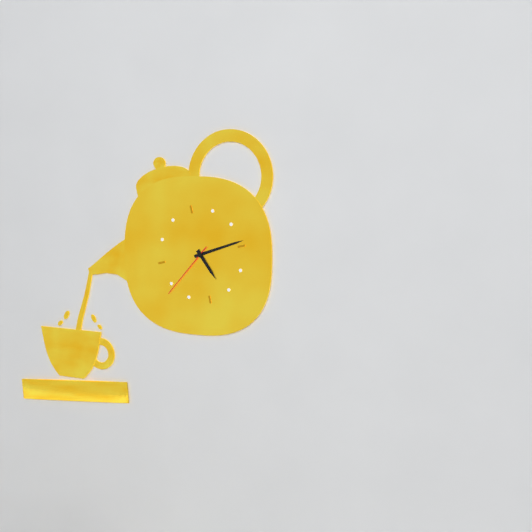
5:14:39
